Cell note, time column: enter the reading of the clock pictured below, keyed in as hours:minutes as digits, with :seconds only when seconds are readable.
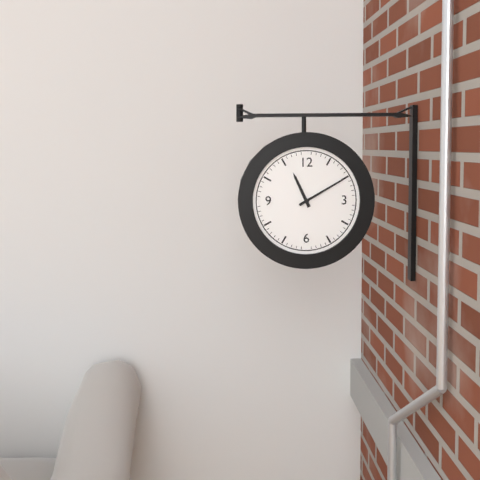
11:10
